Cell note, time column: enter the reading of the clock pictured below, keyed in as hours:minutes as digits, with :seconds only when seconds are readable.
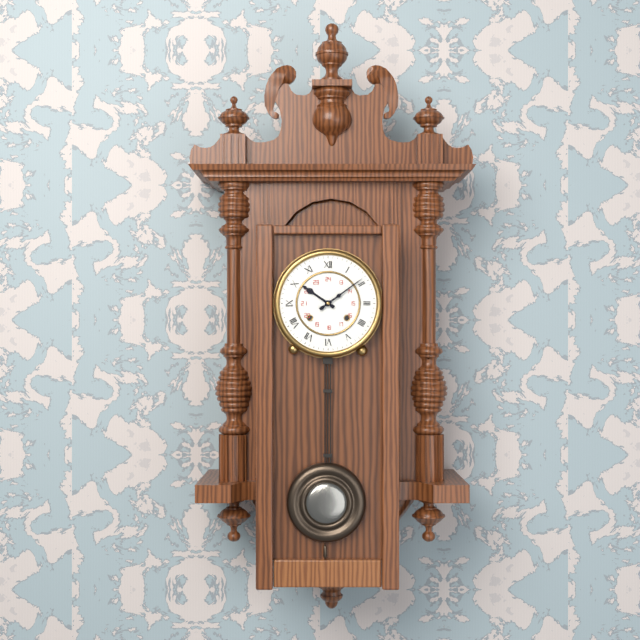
10:09
